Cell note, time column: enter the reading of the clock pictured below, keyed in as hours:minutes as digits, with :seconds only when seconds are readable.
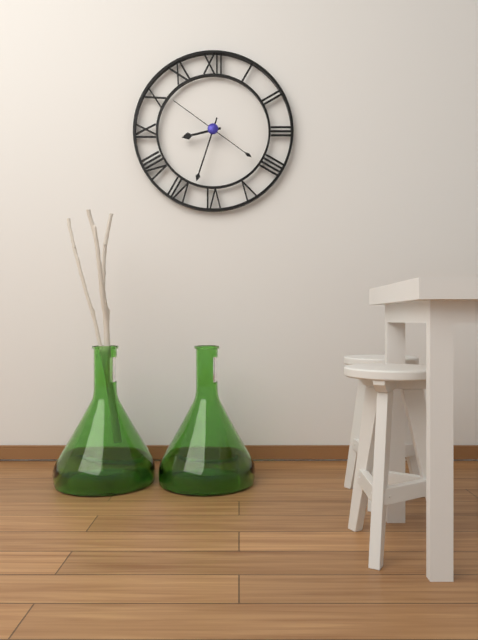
8:33:51
